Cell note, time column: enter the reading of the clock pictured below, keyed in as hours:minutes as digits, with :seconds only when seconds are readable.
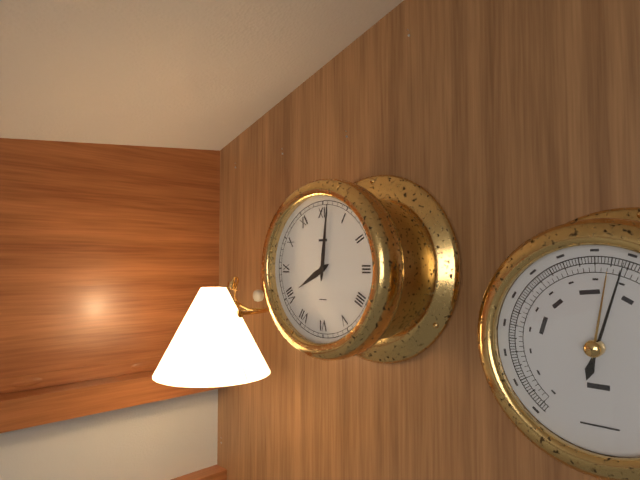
8:01
